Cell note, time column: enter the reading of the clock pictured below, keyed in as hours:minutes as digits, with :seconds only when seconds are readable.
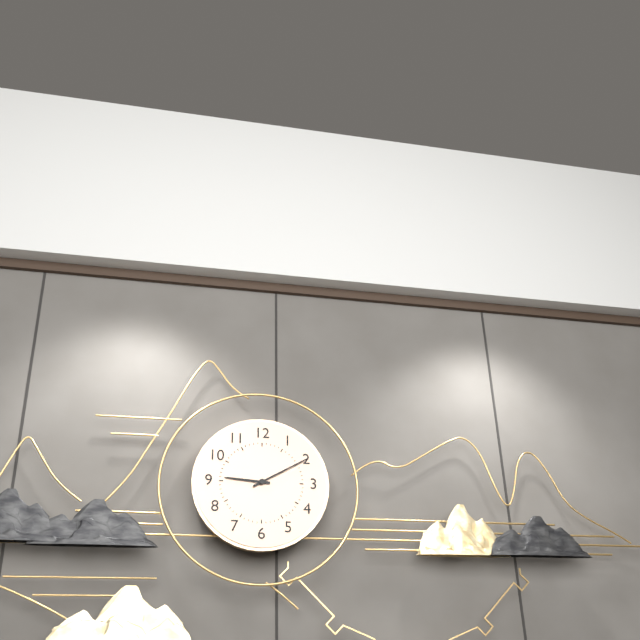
9:10
